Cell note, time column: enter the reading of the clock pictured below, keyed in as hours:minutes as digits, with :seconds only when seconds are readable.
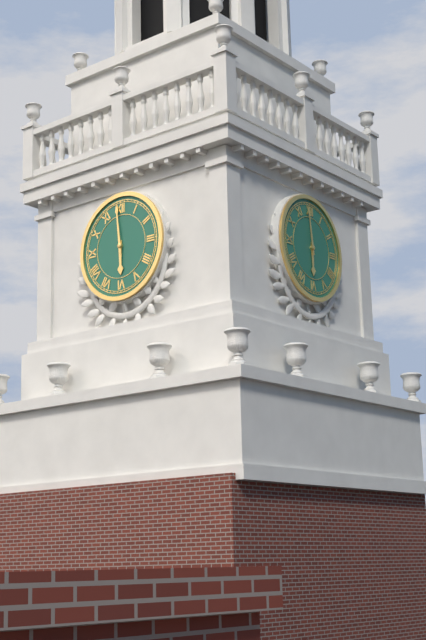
5:59
